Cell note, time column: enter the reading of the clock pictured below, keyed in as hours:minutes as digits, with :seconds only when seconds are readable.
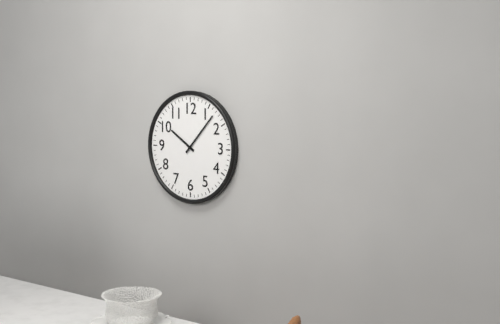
10:07
